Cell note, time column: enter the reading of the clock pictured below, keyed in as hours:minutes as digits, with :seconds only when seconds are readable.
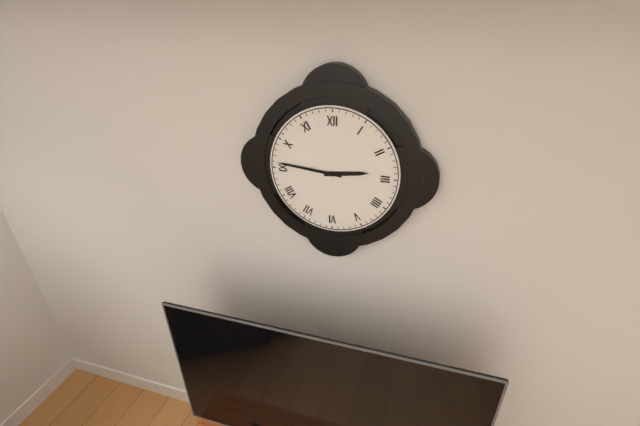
2:46
